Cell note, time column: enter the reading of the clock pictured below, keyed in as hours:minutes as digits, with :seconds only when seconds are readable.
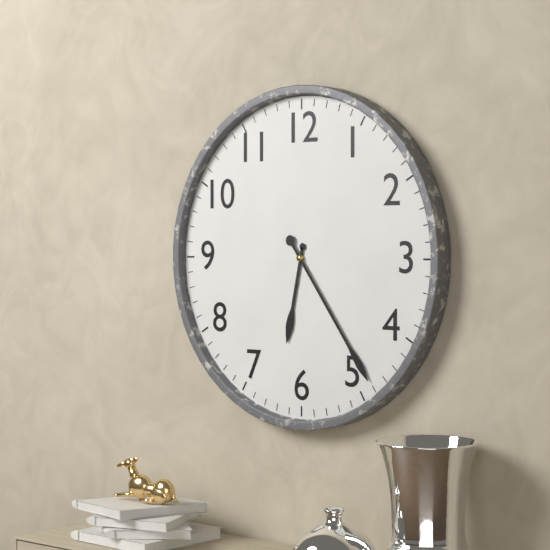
6:24
